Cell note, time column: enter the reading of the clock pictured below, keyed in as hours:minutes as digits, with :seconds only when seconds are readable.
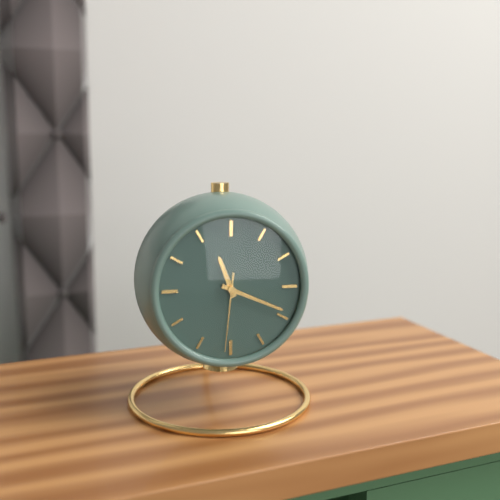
11:19:31
